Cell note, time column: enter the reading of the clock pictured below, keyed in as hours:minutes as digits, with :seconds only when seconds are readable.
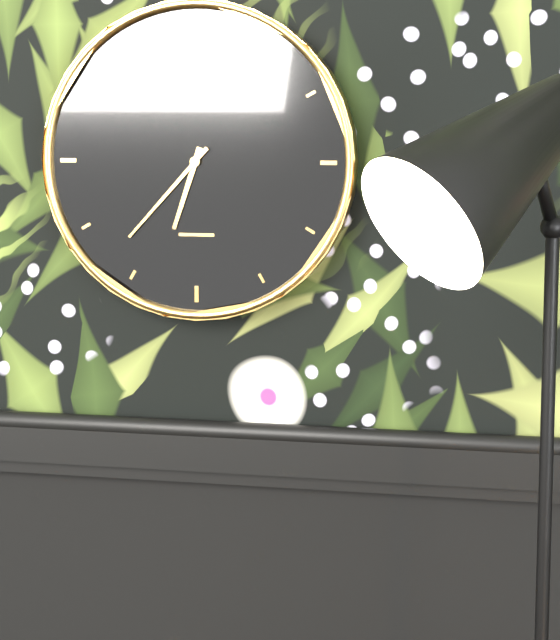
6:37
